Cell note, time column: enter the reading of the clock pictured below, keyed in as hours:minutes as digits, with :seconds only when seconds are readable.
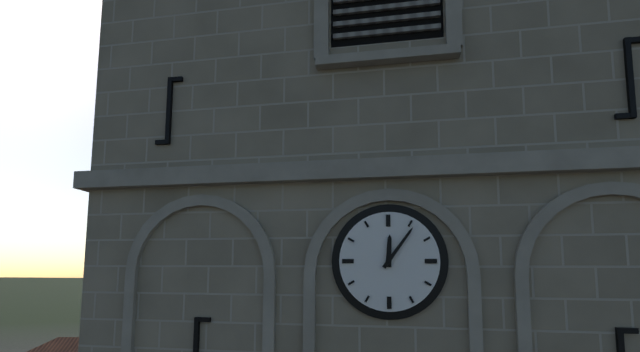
12:06
